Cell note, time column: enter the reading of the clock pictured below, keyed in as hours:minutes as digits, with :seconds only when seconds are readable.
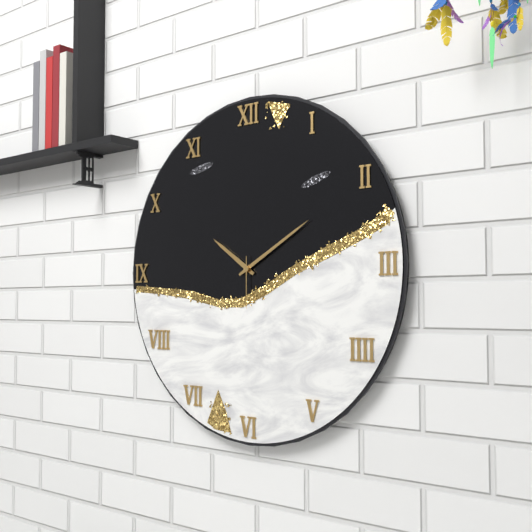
10:10:30
